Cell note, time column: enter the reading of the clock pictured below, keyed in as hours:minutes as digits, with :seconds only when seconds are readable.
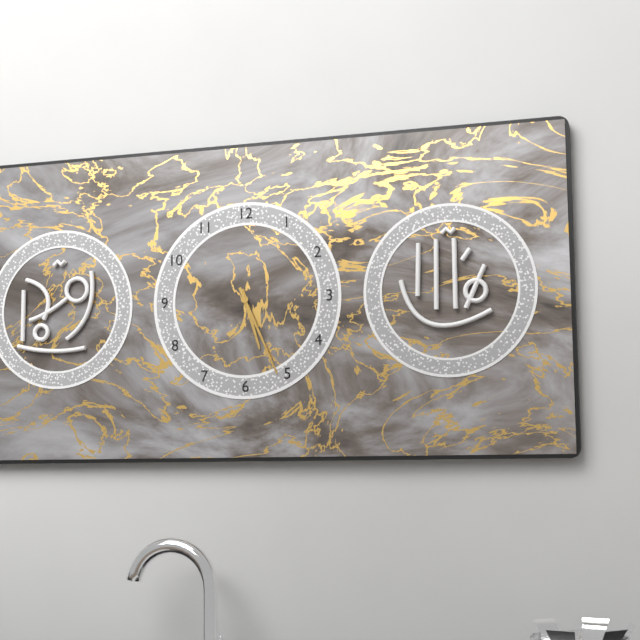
5:26
